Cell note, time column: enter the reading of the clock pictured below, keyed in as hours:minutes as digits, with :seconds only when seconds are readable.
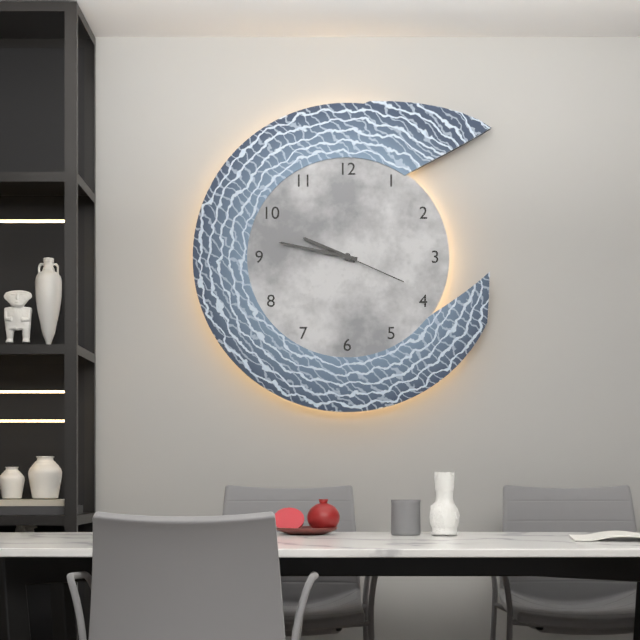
9:47:19
